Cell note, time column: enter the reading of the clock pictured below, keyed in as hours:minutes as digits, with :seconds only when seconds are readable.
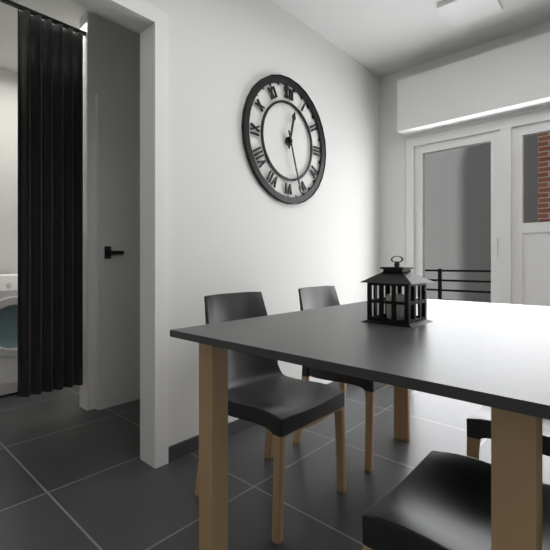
12:27
